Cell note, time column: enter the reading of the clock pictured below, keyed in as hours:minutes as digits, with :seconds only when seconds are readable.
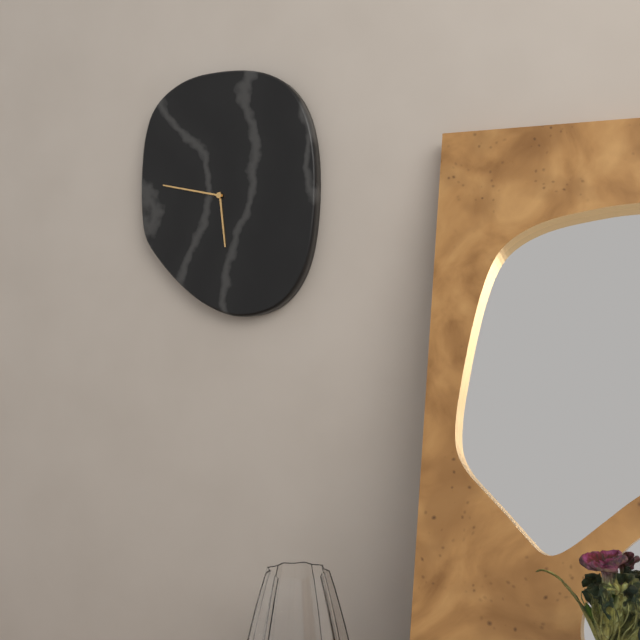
5:47
